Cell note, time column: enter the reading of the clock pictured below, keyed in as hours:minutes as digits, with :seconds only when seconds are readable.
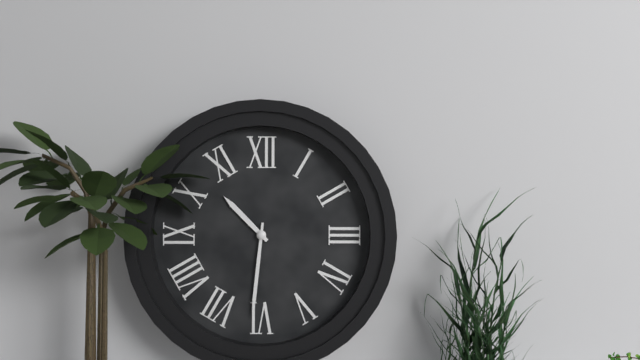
10:31
